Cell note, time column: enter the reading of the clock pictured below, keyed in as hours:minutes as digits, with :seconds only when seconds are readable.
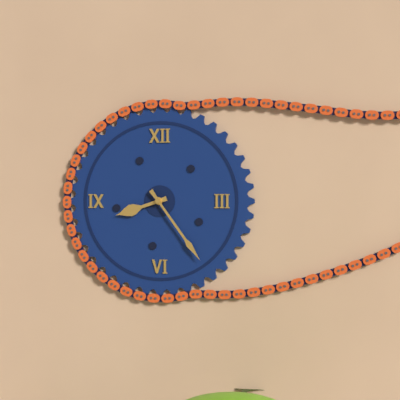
8:24
